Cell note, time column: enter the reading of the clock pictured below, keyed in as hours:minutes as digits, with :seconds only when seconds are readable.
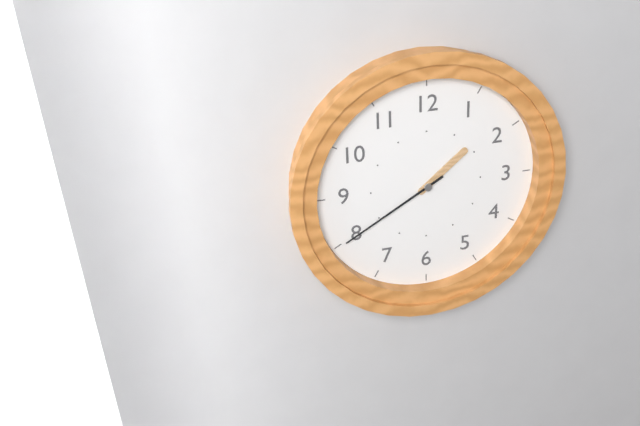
1:40
